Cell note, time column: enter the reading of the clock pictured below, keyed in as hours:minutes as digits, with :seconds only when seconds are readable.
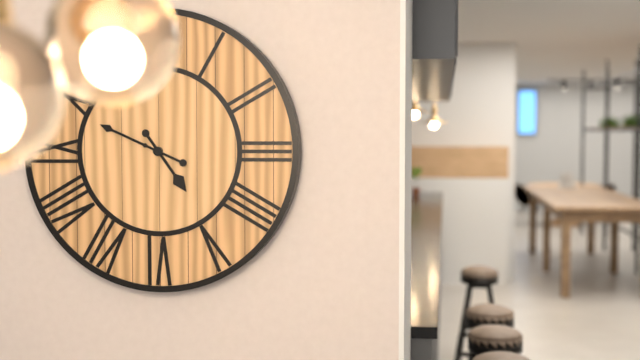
4:49
